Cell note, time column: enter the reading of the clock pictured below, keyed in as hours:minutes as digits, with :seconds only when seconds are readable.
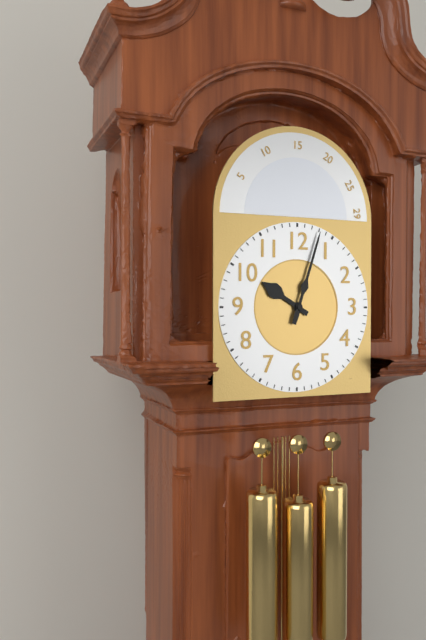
10:03
